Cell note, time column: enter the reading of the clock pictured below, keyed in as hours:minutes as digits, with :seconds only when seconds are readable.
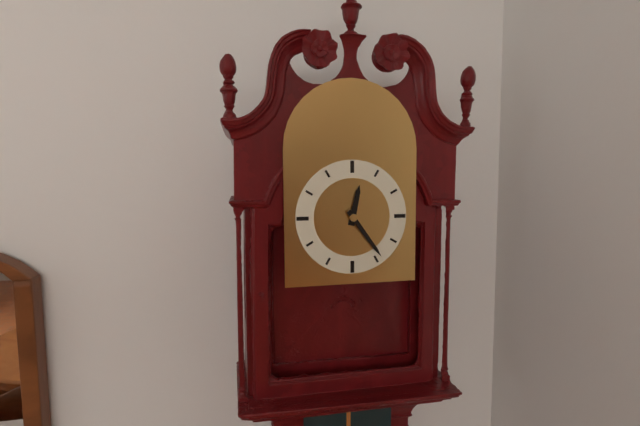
12:24
